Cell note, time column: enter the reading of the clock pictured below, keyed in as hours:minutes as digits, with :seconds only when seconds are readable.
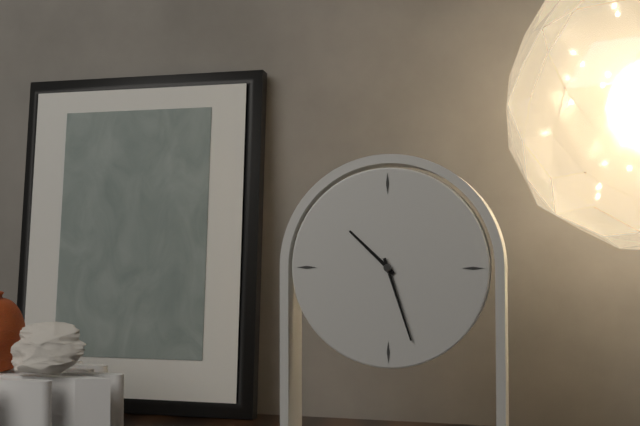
10:27
